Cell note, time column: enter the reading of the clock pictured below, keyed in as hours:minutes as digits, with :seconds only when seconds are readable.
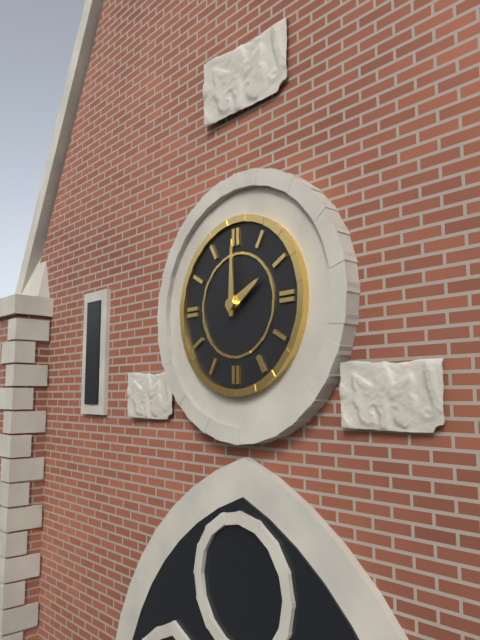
2:00
